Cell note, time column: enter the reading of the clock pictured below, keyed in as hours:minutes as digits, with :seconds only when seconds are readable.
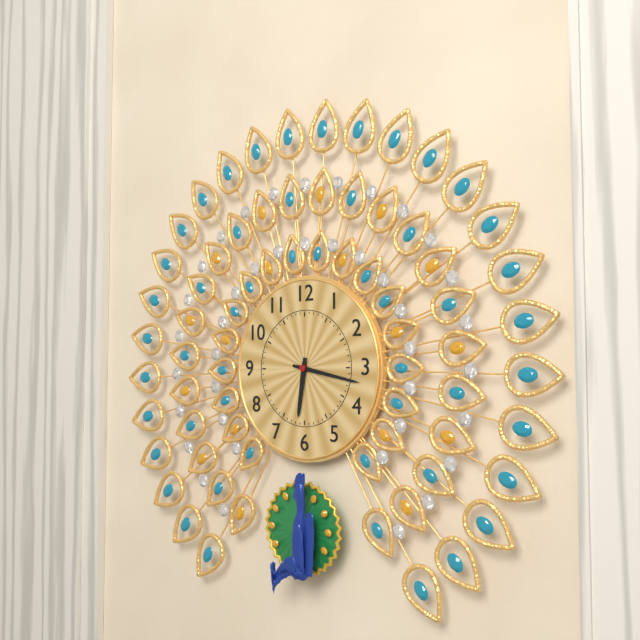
6:17
